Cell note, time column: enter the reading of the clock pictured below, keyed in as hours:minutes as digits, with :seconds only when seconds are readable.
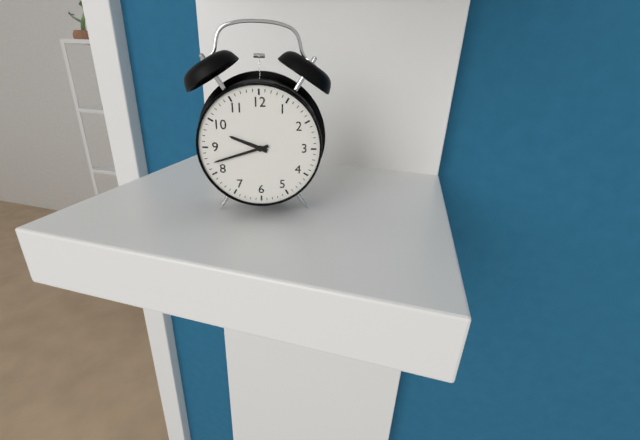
9:42
